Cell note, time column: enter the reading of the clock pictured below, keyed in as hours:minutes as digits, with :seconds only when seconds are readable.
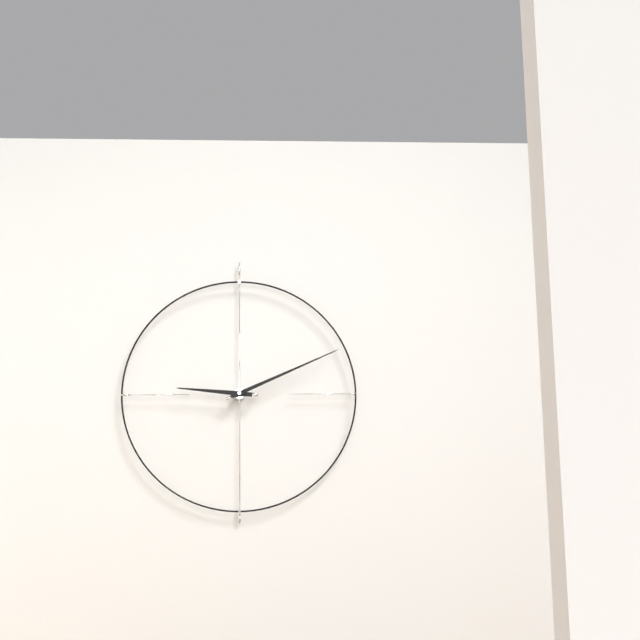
9:11
